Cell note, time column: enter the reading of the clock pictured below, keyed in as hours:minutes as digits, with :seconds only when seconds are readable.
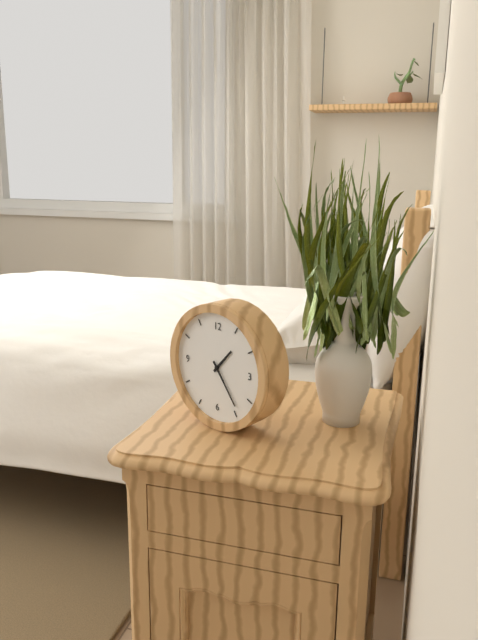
1:24
